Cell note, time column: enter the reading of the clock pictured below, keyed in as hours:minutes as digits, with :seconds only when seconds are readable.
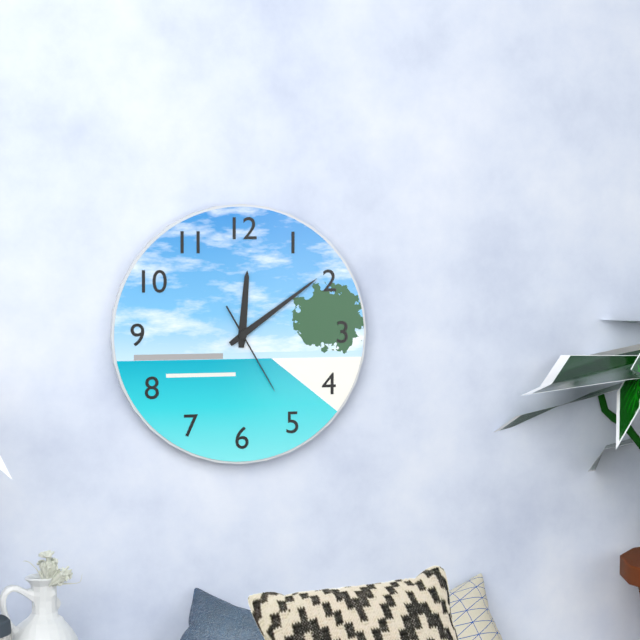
12:09:25
